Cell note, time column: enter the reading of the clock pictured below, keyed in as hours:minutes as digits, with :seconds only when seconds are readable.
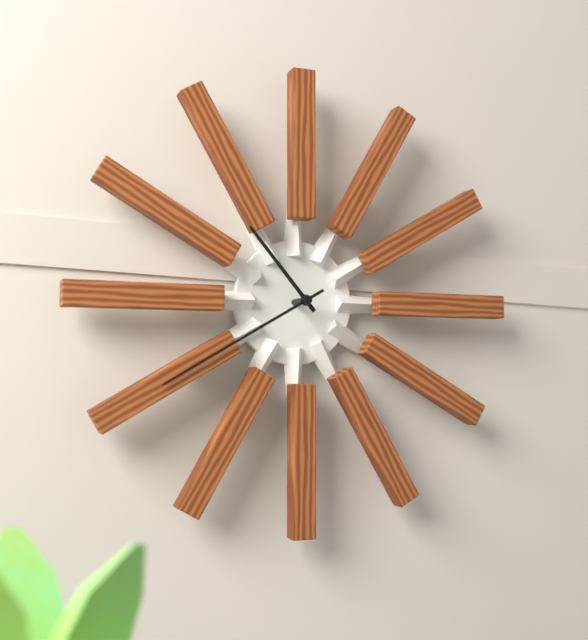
10:40
